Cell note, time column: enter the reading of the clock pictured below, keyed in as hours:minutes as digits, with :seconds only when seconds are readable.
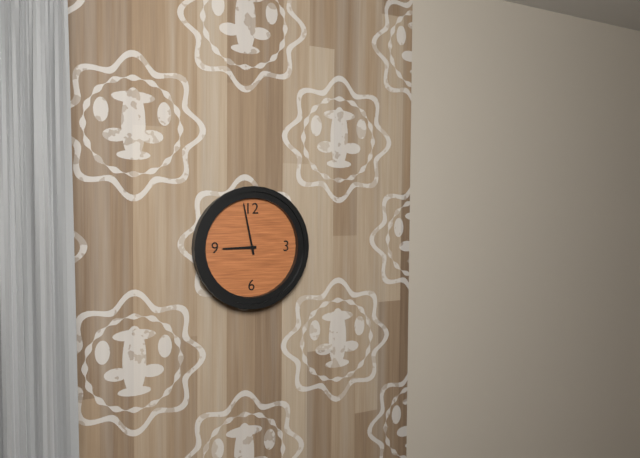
8:58
